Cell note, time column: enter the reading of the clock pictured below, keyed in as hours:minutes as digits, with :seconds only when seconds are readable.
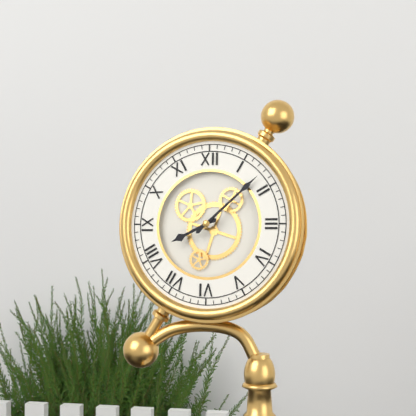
8:08
